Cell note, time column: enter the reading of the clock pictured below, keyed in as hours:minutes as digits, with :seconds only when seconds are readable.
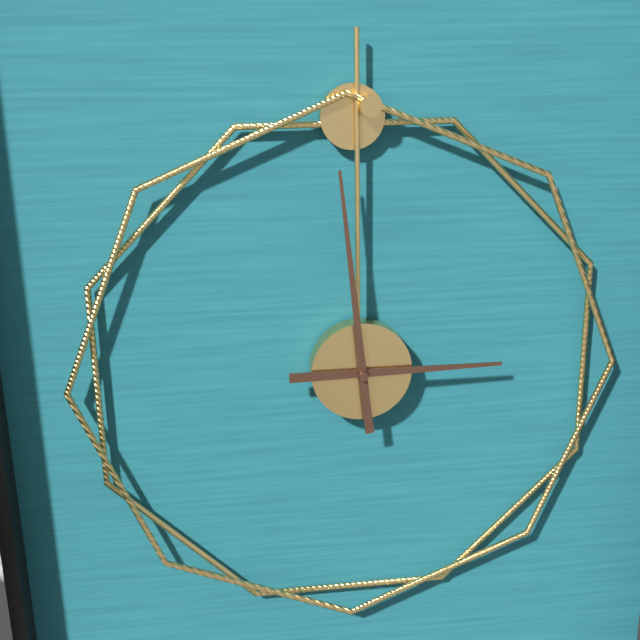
2:59
